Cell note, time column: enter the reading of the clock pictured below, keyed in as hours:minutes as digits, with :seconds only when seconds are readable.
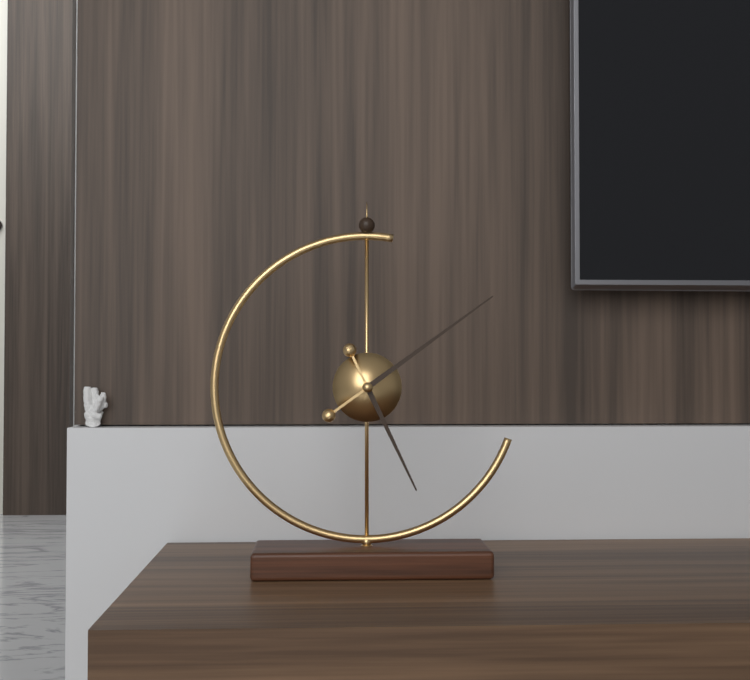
5:09
